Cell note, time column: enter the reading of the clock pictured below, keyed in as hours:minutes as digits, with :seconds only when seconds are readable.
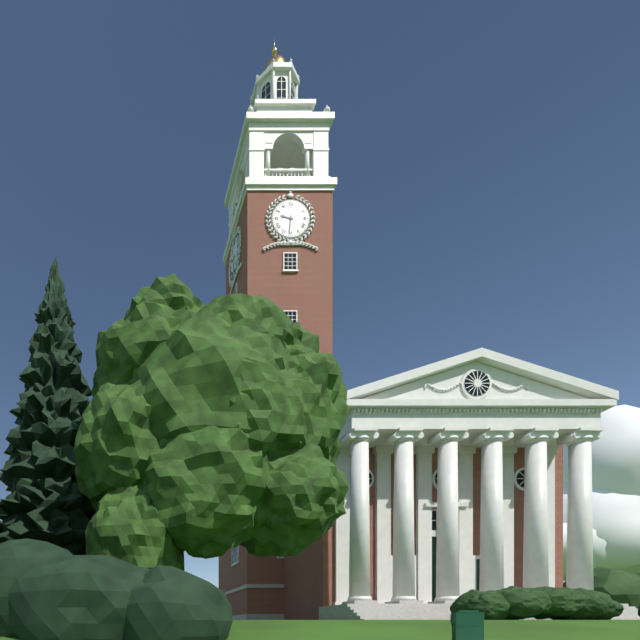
9:31
